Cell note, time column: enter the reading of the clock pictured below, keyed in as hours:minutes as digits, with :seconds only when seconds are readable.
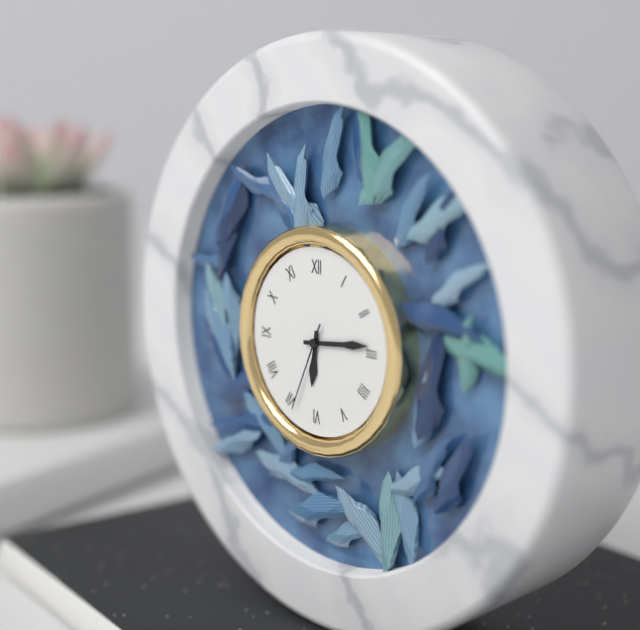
6:14:34
